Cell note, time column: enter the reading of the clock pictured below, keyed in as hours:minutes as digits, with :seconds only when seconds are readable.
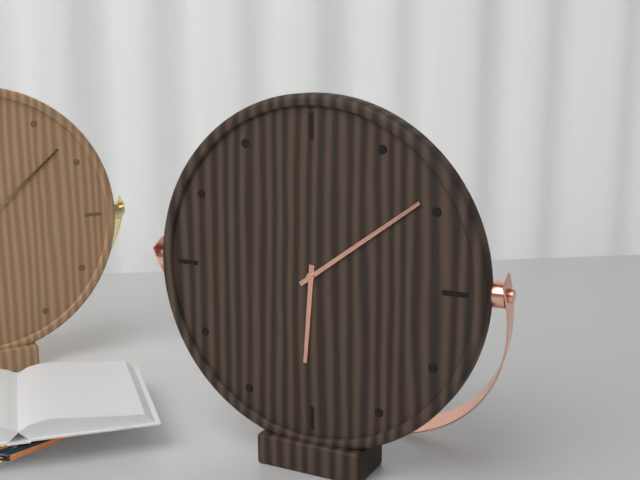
6:09
